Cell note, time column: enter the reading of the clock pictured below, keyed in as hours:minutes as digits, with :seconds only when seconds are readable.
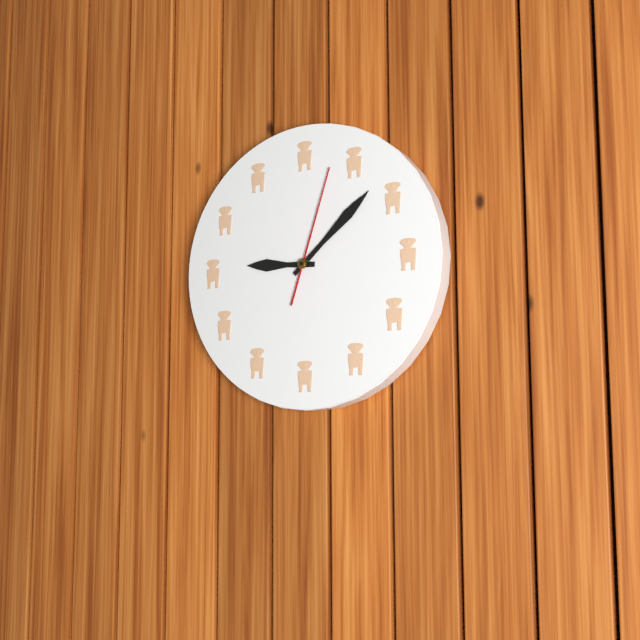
9:08:03
